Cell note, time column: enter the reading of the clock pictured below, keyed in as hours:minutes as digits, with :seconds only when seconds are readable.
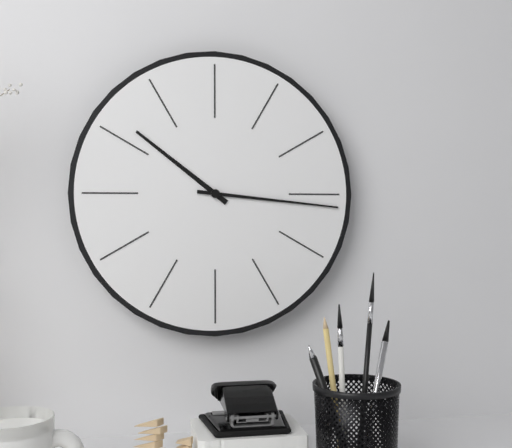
10:16
